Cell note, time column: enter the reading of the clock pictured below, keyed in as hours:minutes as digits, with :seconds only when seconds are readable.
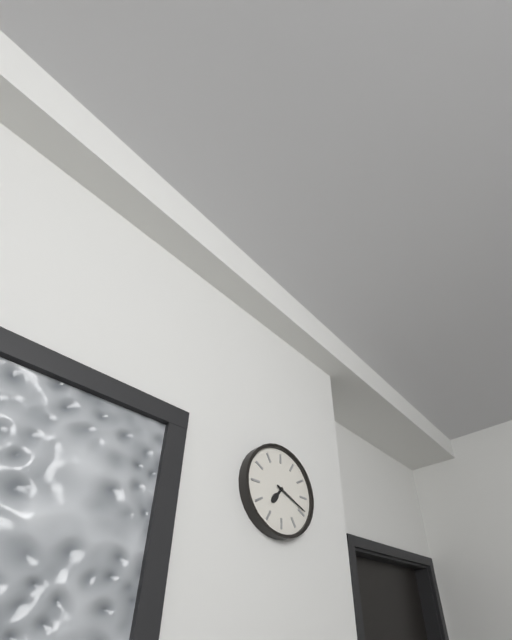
7:19
